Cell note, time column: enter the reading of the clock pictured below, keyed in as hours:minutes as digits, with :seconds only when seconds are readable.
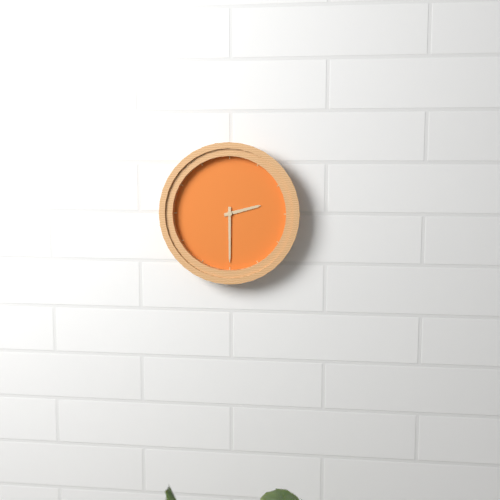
2:30
